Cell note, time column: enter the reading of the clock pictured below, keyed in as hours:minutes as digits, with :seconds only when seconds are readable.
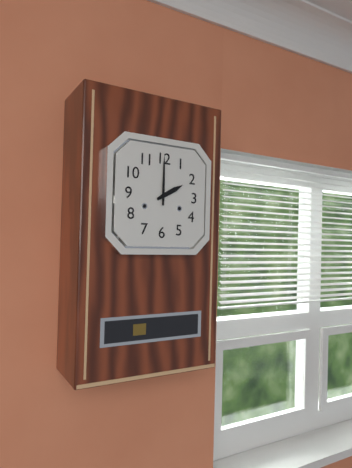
2:00
